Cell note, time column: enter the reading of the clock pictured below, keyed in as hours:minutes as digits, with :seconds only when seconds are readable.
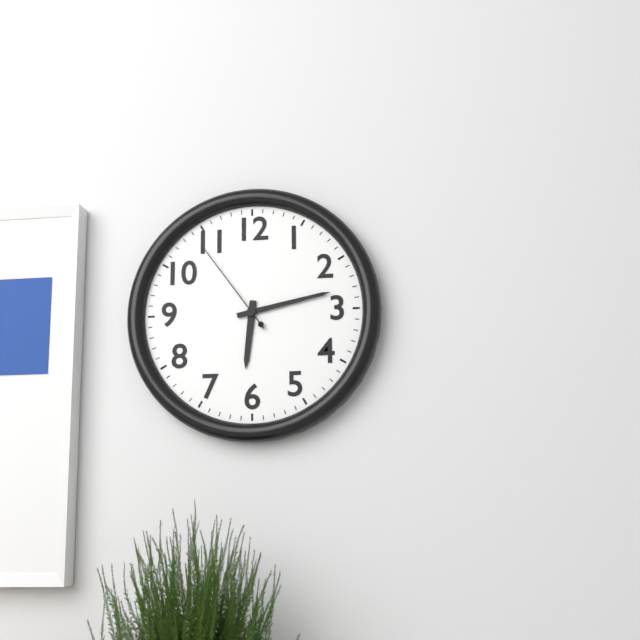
6:13:54
